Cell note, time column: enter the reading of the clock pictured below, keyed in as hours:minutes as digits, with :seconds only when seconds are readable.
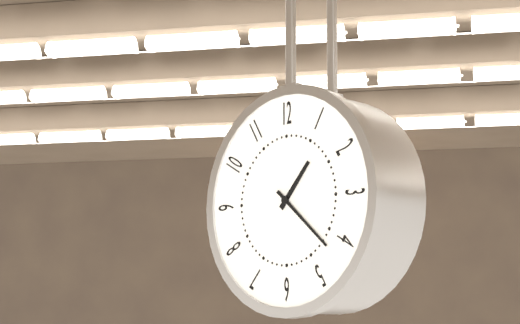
1:22
